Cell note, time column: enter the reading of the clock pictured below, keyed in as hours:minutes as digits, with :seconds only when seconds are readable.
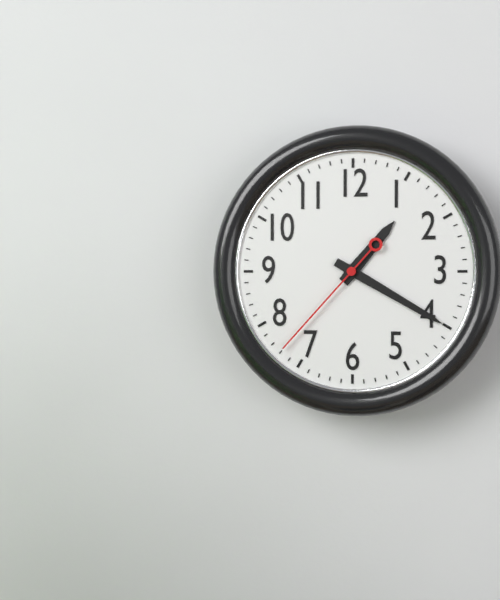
1:20:37
